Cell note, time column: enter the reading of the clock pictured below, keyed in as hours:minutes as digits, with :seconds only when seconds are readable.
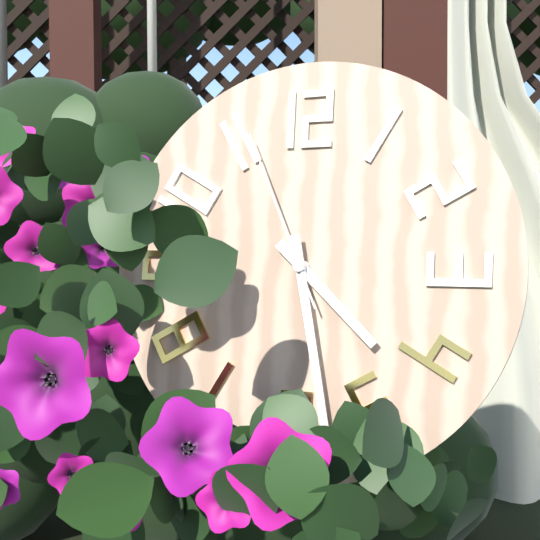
4:28:56
